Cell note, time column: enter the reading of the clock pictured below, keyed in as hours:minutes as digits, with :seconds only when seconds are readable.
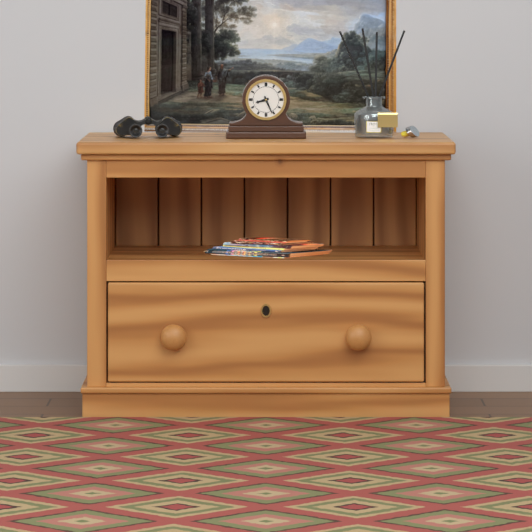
8:26
